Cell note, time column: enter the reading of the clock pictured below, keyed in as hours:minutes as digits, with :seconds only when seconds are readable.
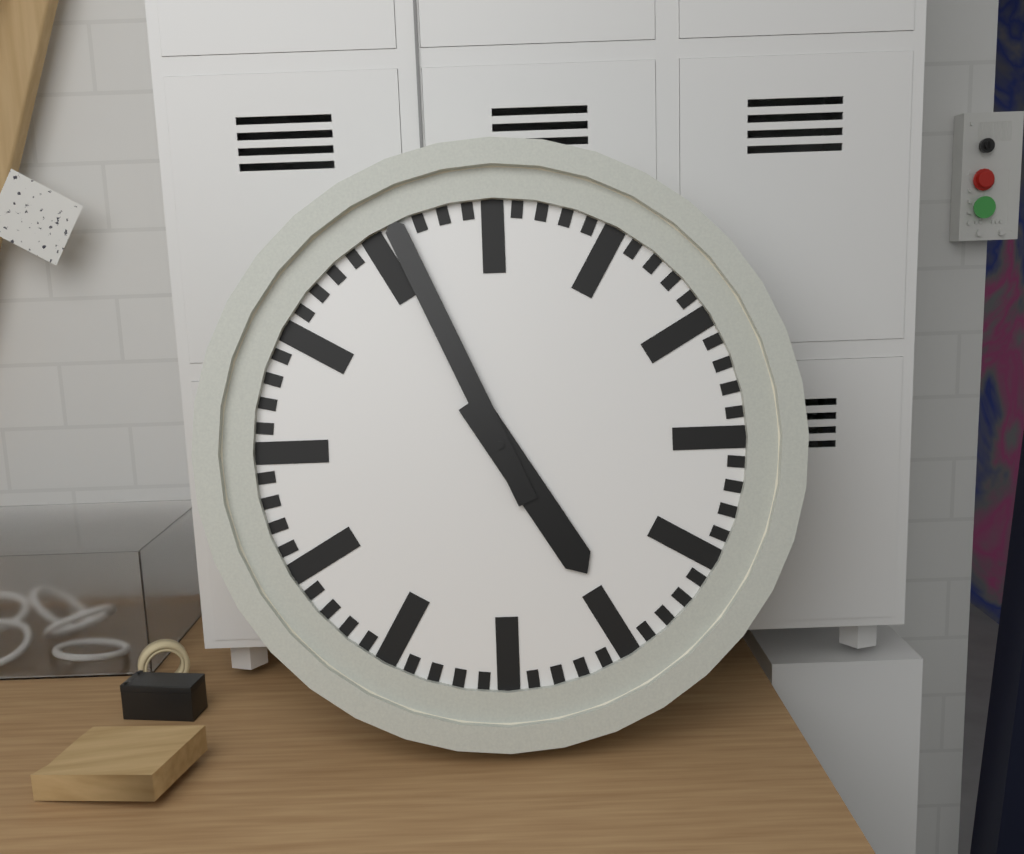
4:56
